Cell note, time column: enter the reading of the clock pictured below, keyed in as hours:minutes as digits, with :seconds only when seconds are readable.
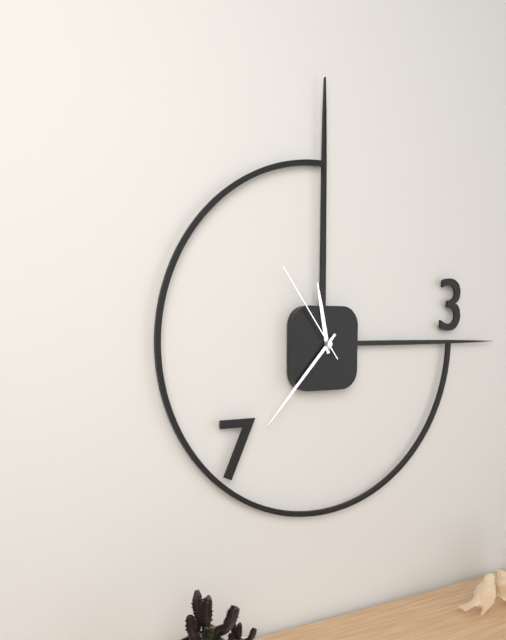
11:37:54
